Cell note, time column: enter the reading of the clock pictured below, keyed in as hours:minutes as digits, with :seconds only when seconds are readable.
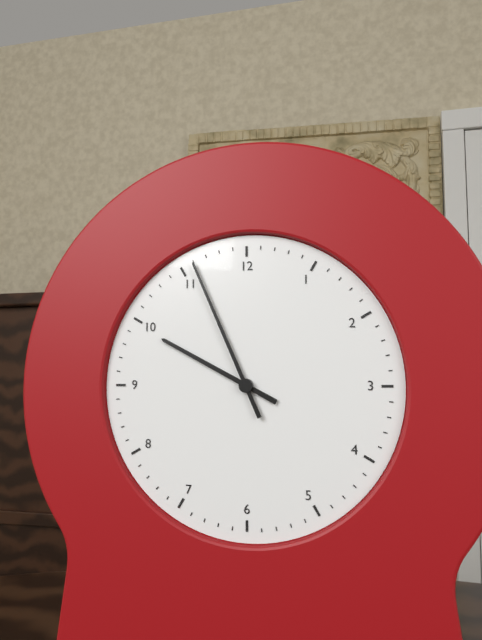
9:56
